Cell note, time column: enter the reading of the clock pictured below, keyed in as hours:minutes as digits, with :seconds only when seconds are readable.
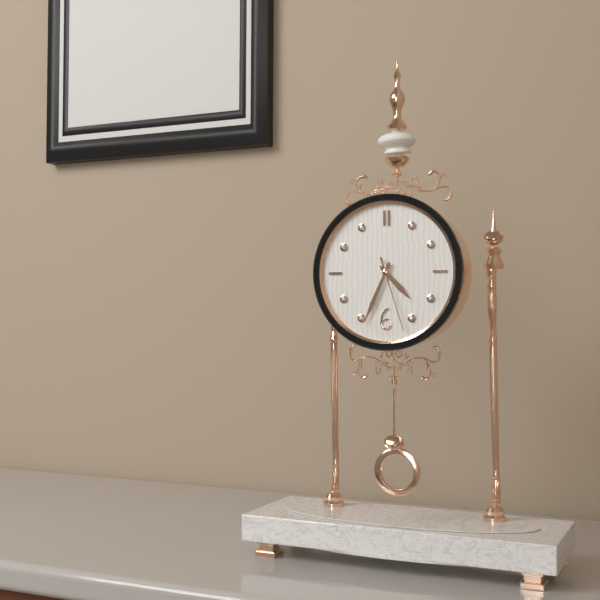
4:34:27
